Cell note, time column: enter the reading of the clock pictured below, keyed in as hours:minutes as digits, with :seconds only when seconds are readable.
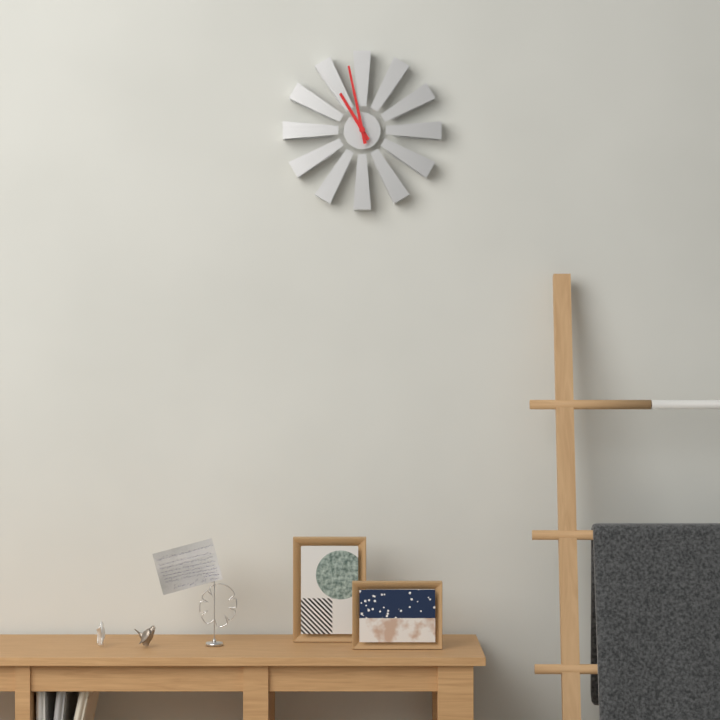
10:58
